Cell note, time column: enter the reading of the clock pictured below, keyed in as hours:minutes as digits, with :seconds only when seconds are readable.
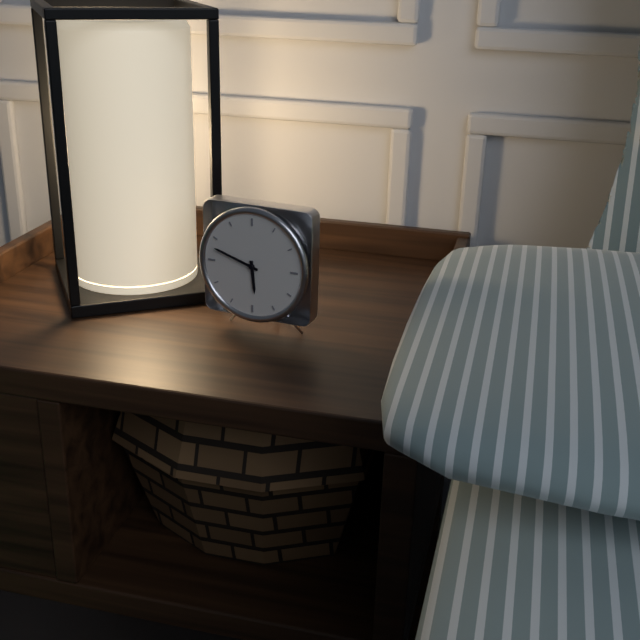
5:48
